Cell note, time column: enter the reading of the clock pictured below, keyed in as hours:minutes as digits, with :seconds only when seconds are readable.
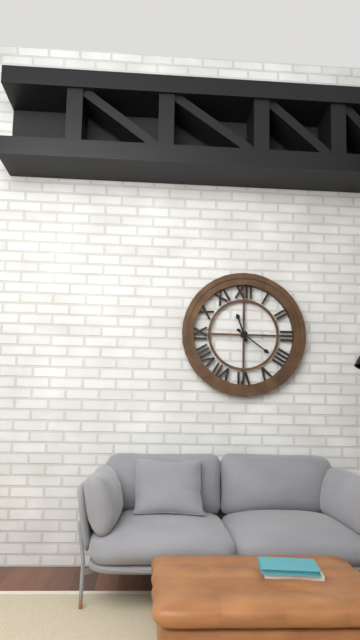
11:21
